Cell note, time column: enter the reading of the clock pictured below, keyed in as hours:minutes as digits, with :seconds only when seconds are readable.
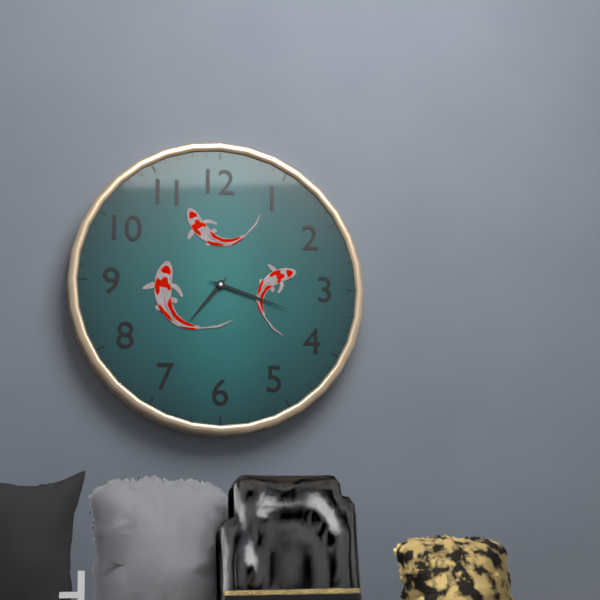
7:18
